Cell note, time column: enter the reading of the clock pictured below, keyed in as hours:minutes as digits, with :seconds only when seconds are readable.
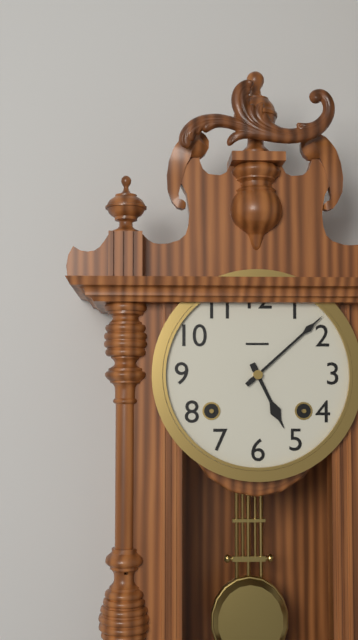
5:08
